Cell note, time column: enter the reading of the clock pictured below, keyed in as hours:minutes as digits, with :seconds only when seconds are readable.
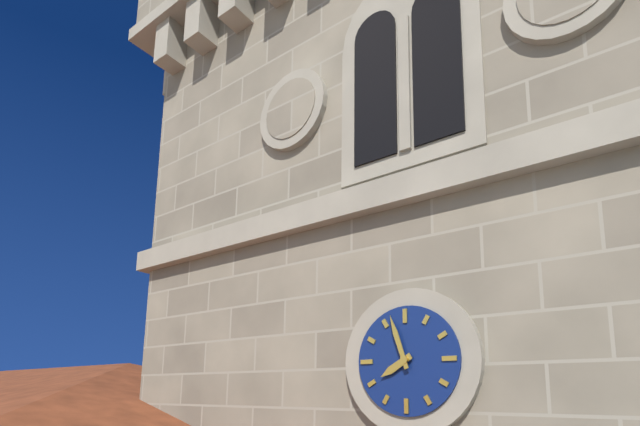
7:57
